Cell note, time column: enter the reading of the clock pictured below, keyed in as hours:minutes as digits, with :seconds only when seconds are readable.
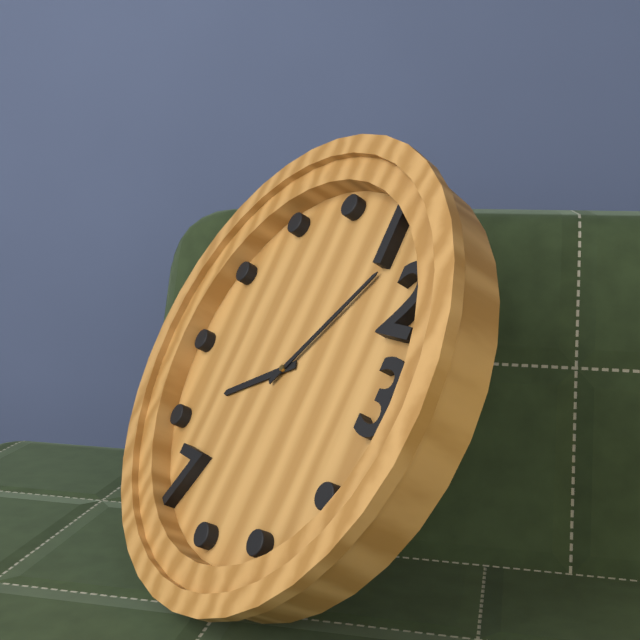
8:06
